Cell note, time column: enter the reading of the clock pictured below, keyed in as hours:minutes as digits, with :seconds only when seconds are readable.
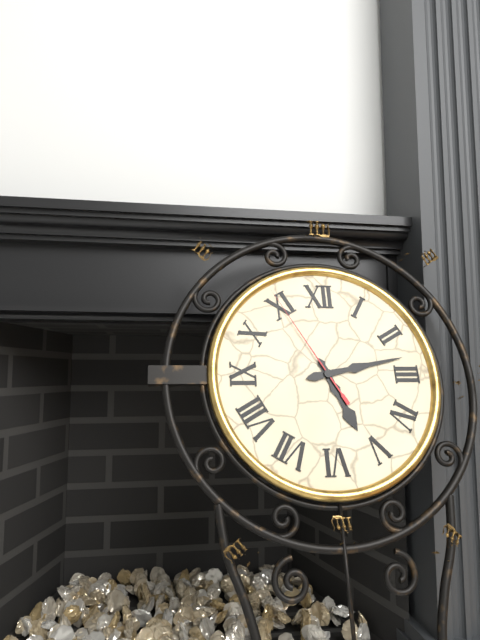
5:13:55
